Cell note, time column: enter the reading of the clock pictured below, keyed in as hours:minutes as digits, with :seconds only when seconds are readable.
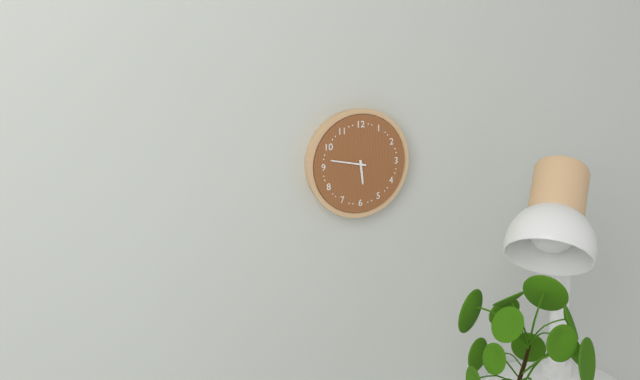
5:47
